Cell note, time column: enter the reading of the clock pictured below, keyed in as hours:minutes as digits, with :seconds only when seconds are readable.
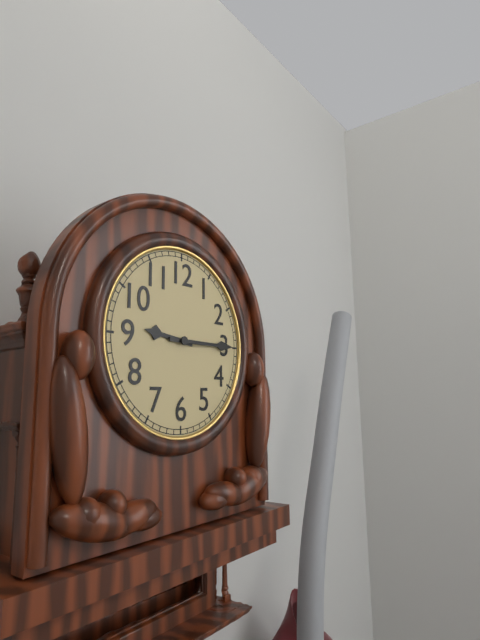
9:15
